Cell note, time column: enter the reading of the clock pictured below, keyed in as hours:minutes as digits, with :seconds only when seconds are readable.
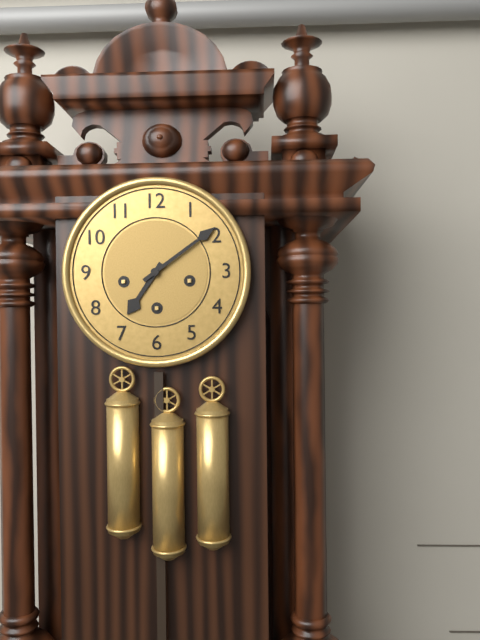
7:09
